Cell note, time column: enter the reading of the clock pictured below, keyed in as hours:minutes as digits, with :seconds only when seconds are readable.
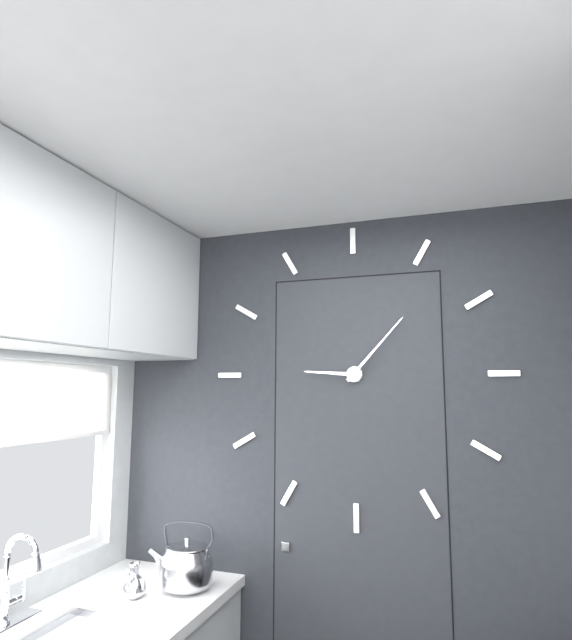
9:07
